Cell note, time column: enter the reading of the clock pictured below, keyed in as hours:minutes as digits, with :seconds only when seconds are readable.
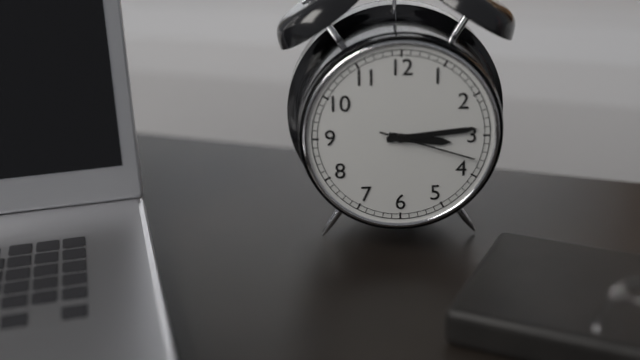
3:14:18
